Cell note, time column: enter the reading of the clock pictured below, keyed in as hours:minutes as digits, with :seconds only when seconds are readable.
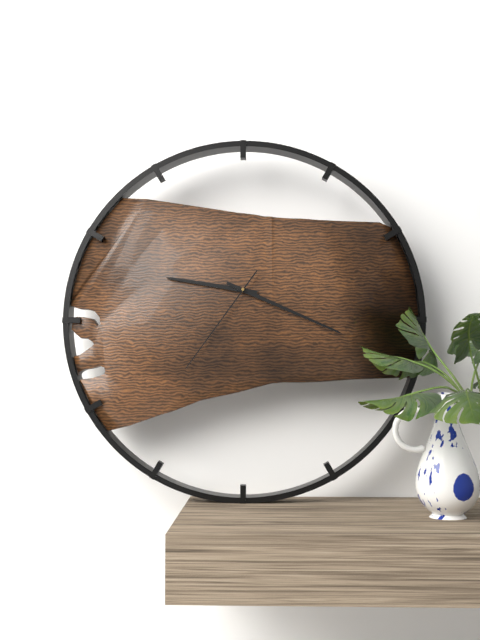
9:19:36
